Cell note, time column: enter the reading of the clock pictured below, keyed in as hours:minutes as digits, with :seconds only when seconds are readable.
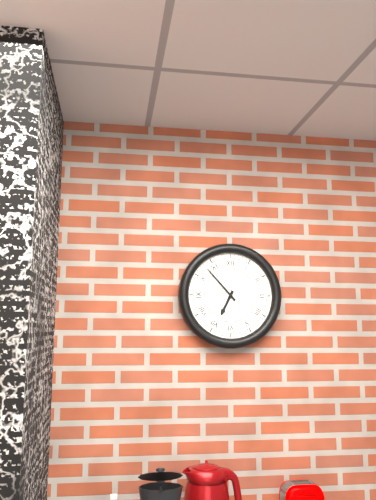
6:53
